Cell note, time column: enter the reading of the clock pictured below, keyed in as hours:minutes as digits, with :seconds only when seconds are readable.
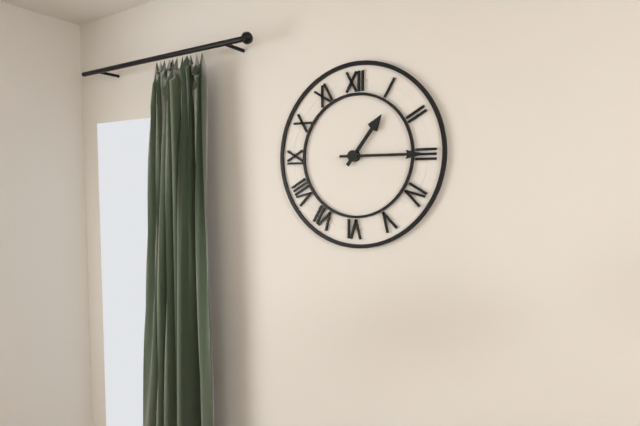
1:15
